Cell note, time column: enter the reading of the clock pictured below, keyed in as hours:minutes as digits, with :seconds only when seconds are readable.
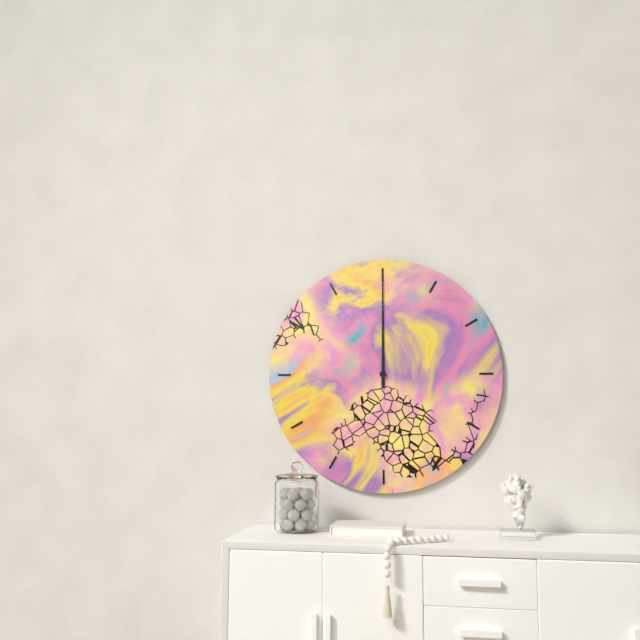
12:00
